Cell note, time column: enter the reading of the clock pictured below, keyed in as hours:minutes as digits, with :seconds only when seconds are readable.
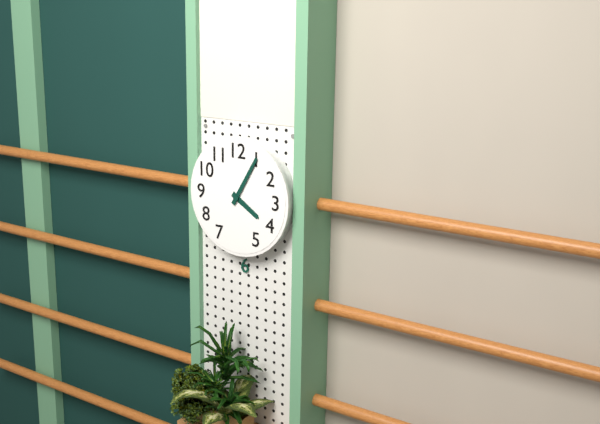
4:05
